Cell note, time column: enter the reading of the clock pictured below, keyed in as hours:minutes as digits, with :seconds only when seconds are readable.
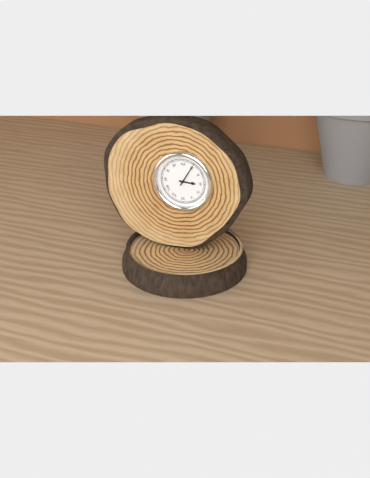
3:05
